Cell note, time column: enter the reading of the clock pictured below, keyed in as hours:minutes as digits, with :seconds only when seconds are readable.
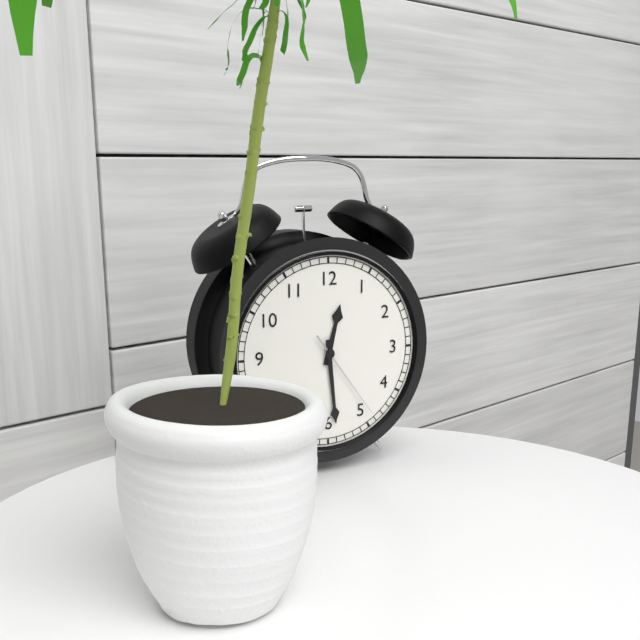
12:29:24
